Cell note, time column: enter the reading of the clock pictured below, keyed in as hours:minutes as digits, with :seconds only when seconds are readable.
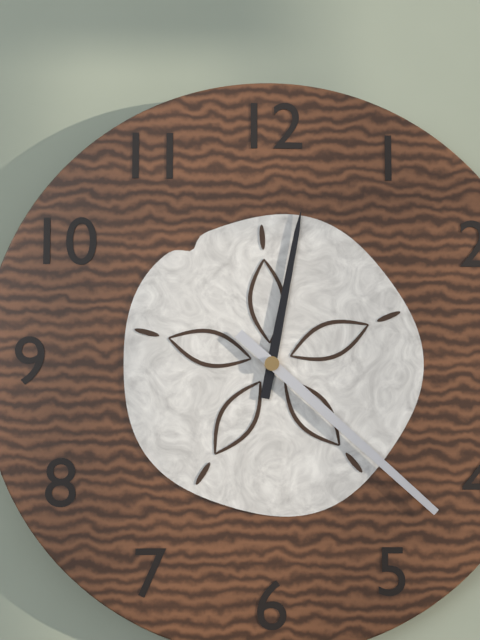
12:22
